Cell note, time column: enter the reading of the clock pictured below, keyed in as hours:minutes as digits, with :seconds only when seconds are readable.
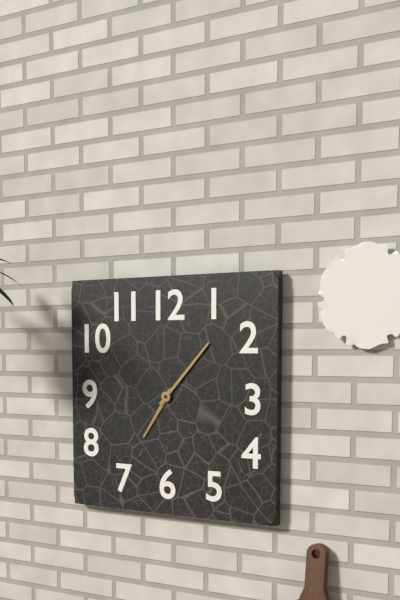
7:07
